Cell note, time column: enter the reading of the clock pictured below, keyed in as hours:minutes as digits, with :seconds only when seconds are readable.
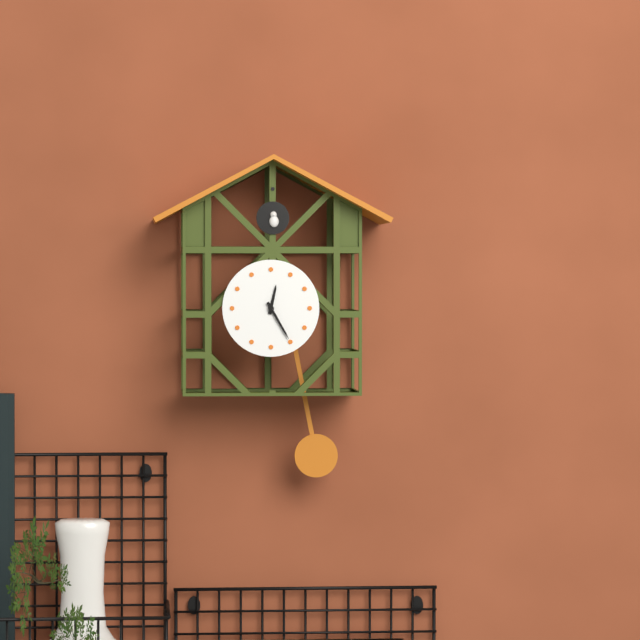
12:25
